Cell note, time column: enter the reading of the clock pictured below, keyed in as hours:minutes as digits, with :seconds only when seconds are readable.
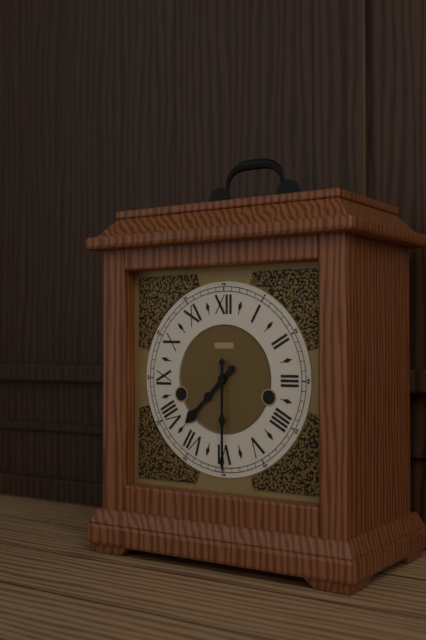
7:30
